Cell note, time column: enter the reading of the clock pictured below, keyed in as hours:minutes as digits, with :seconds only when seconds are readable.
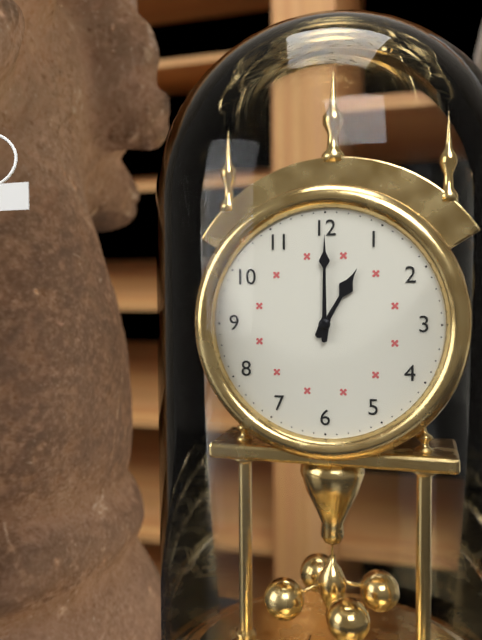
1:00
